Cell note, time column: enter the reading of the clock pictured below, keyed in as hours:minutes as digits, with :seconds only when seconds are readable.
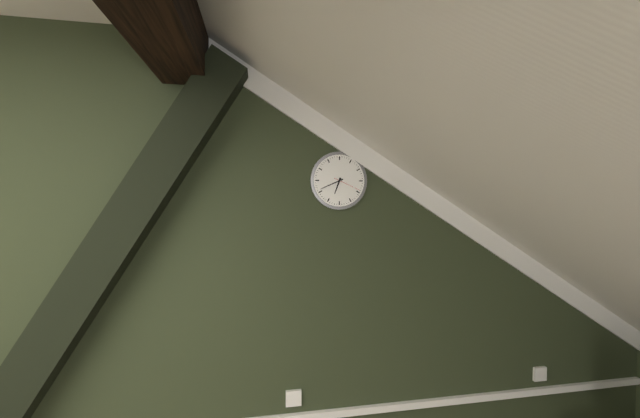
6:41
